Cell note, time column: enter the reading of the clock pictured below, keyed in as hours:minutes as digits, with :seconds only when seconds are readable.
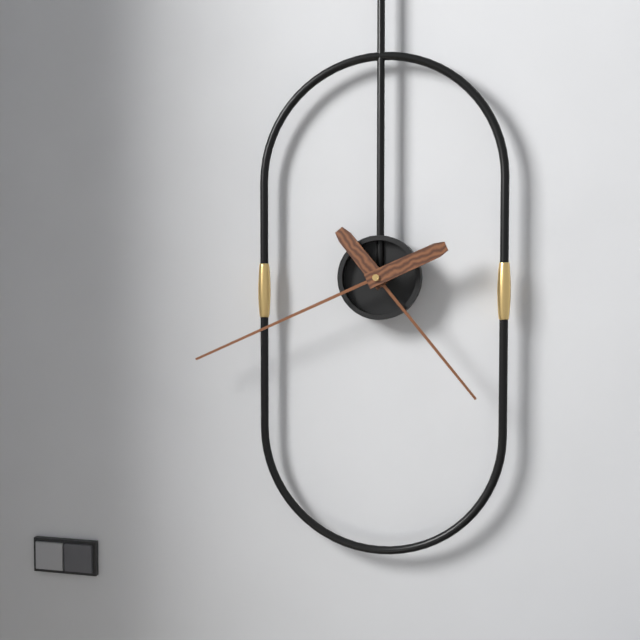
4:41
